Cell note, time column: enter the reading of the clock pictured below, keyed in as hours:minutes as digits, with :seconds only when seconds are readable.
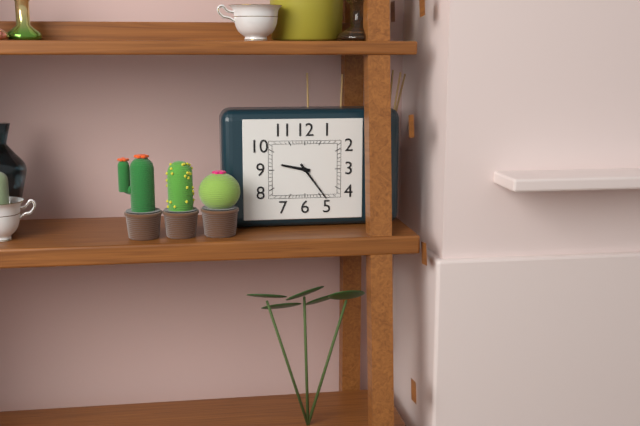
9:24
